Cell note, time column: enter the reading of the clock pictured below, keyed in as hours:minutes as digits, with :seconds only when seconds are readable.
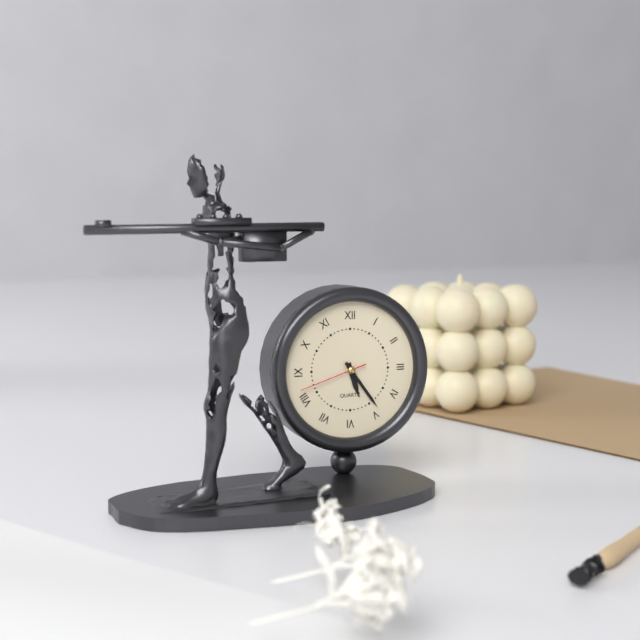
5:24:42
